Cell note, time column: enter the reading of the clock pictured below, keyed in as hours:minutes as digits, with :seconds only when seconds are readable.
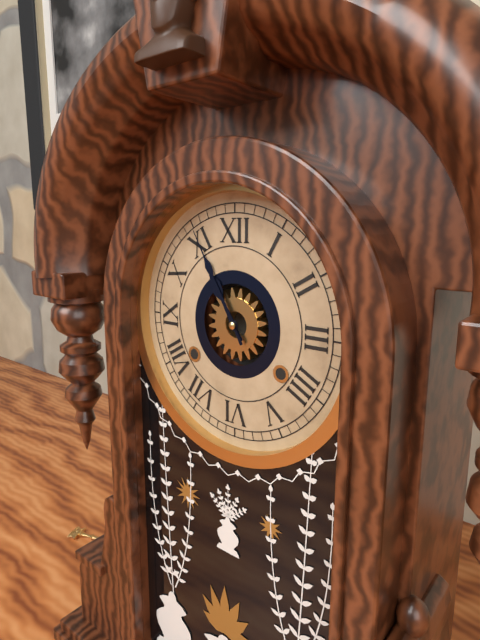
10:55
